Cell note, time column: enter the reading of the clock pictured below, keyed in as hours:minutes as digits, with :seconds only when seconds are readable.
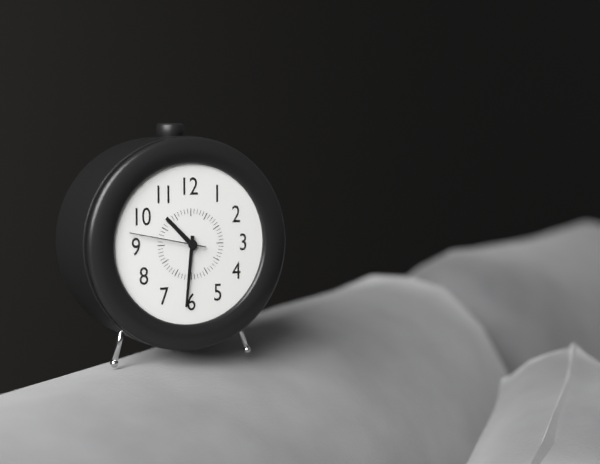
10:31:47
